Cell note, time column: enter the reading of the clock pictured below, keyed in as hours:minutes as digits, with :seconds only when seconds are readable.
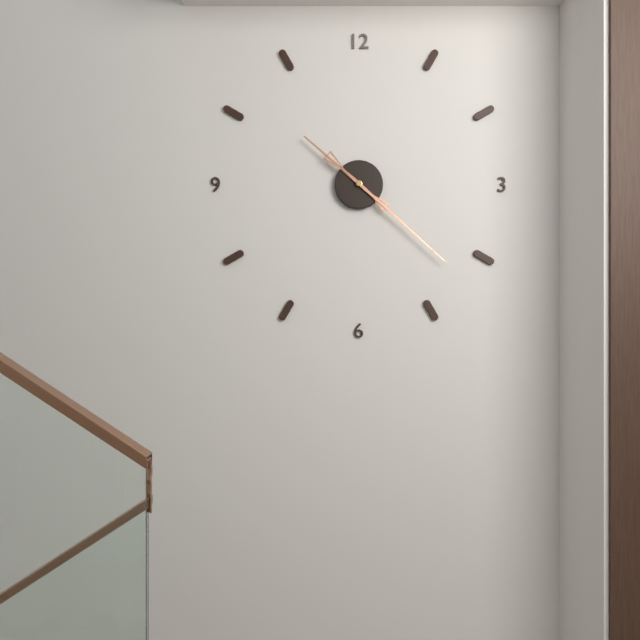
10:22
